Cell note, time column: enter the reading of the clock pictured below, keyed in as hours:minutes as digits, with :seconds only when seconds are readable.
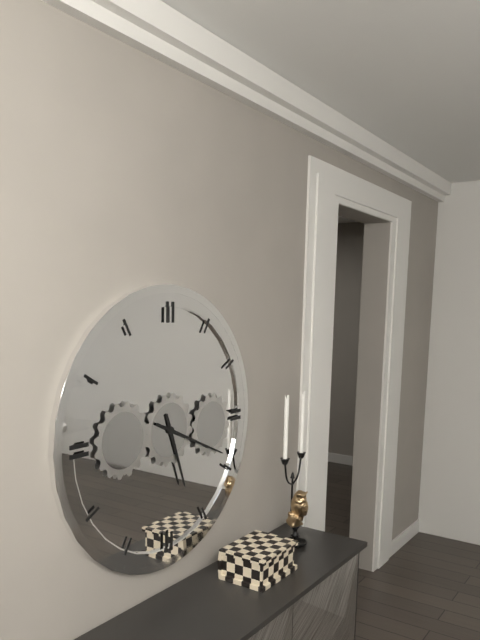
5:19
